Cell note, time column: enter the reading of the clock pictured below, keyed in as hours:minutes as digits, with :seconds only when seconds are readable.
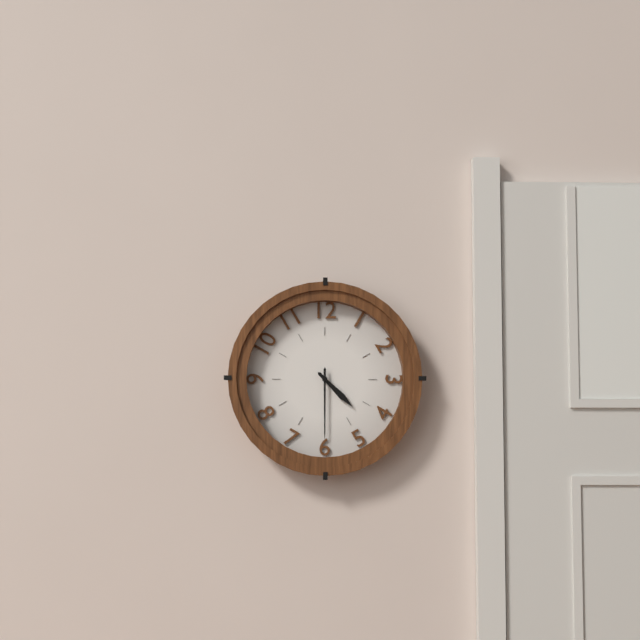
4:30
